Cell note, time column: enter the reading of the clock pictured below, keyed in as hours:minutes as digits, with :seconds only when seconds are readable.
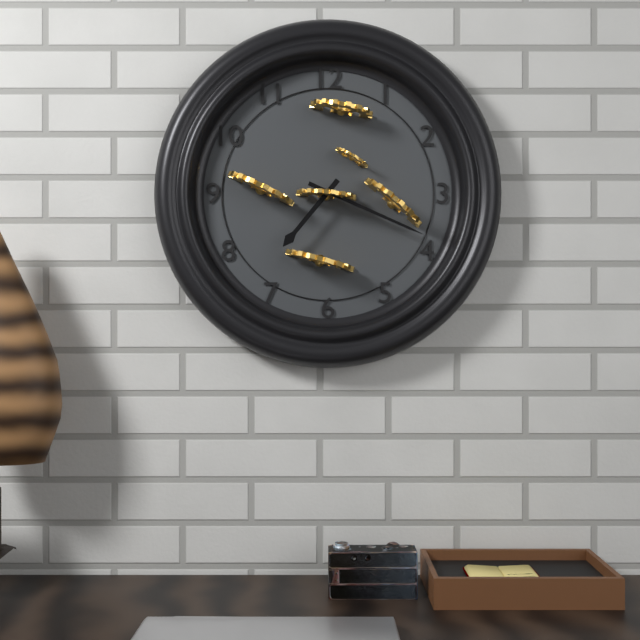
7:19
